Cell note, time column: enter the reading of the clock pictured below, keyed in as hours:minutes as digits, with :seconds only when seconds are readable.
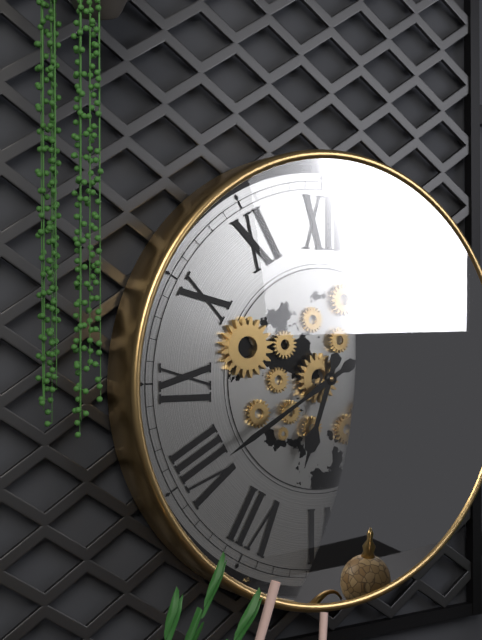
6:40
